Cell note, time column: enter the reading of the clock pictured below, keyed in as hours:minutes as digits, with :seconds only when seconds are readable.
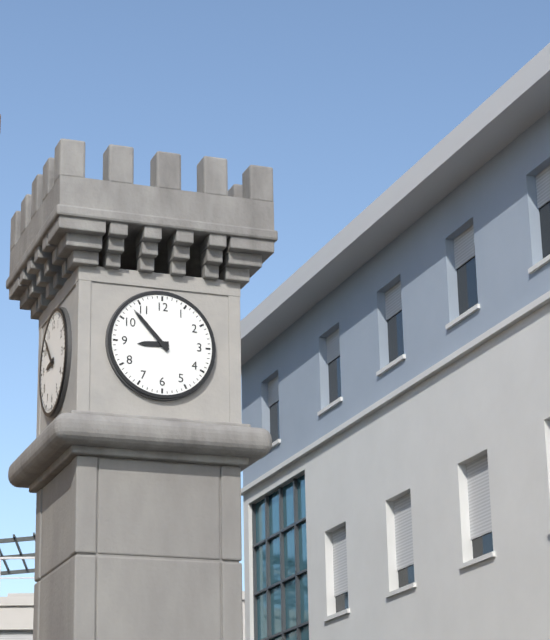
8:53
